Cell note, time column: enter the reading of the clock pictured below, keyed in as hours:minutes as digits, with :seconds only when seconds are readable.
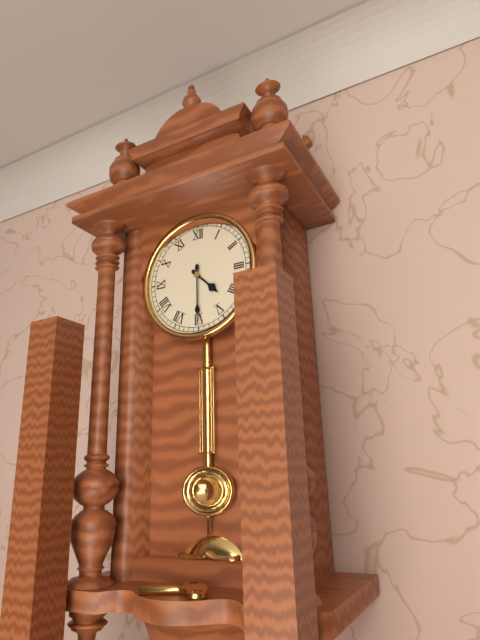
4:30
